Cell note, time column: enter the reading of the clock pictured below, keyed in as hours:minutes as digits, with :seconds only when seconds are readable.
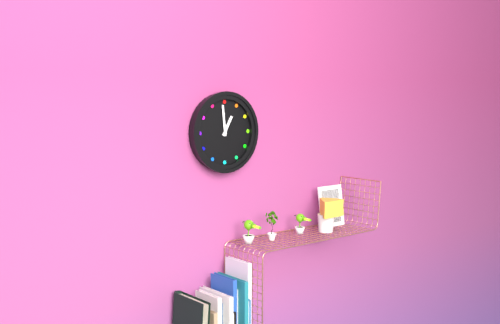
12:59
